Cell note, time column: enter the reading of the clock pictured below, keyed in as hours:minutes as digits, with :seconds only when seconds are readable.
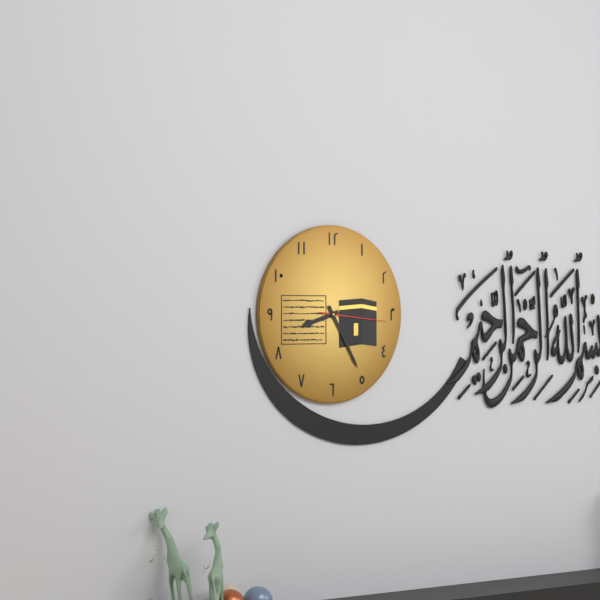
8:25:16
